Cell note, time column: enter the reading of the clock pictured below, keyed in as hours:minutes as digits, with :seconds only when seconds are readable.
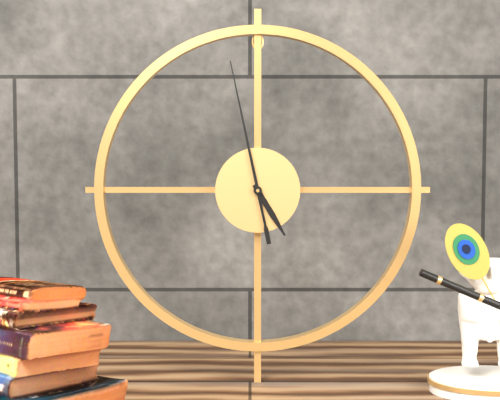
4:58
